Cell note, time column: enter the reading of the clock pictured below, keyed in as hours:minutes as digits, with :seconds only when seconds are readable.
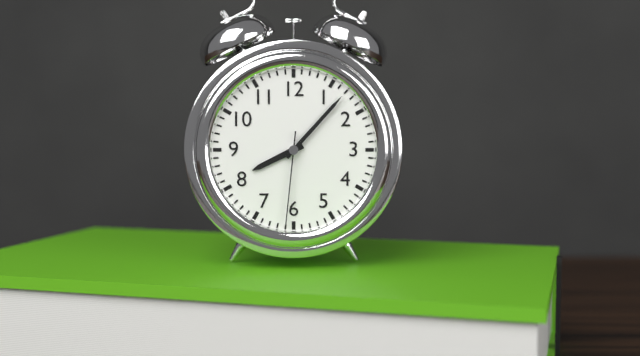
8:07:31
